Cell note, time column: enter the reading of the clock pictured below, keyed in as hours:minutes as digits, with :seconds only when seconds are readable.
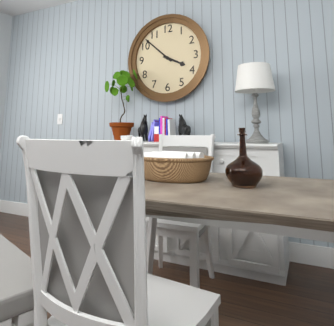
3:52
